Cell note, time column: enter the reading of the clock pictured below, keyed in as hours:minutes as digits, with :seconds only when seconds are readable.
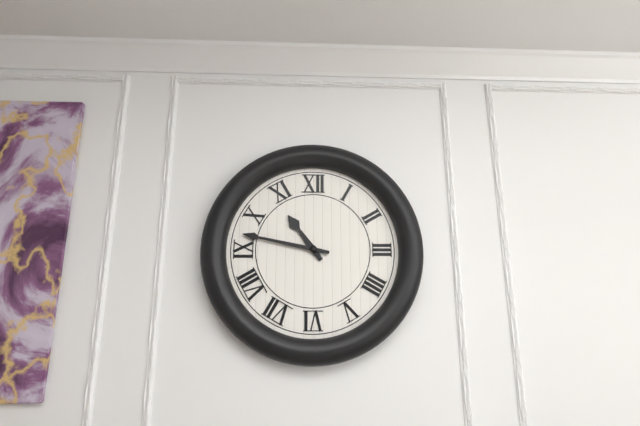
10:47
